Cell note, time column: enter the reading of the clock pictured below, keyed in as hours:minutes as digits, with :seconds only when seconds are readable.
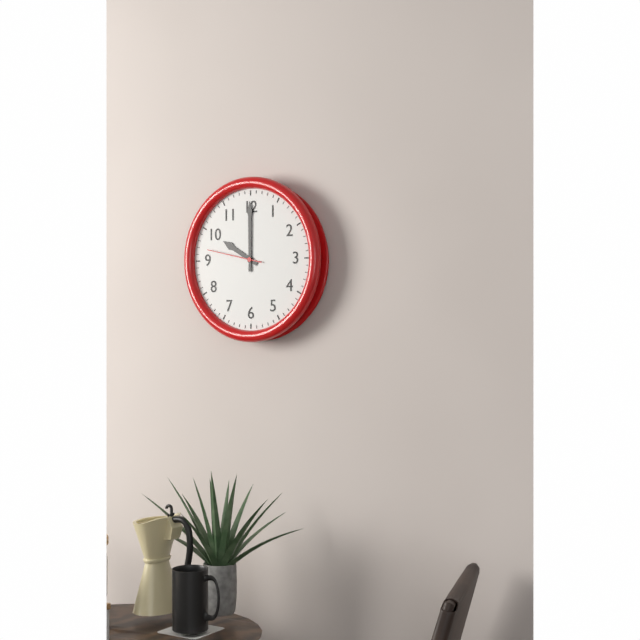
10:00:47
